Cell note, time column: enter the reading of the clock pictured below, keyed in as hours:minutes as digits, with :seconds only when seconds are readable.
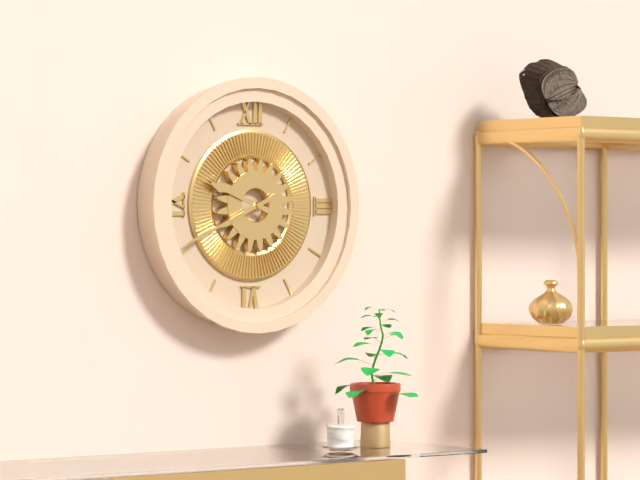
9:41
